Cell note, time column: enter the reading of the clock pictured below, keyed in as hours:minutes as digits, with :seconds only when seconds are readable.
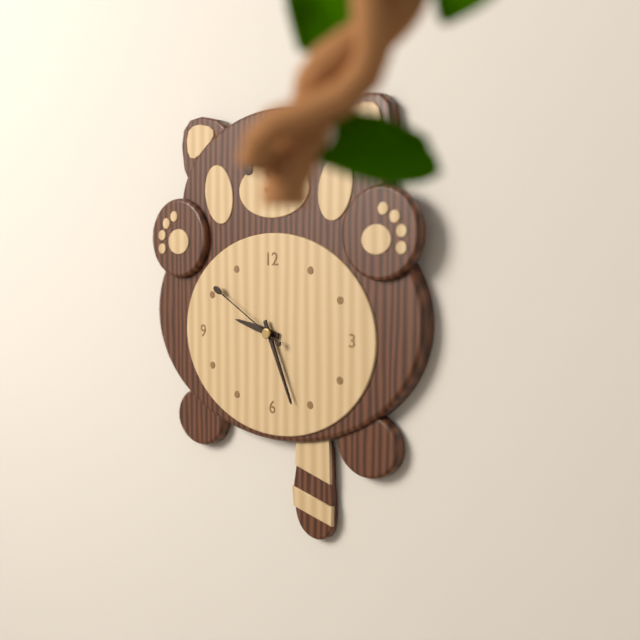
9:26:50
